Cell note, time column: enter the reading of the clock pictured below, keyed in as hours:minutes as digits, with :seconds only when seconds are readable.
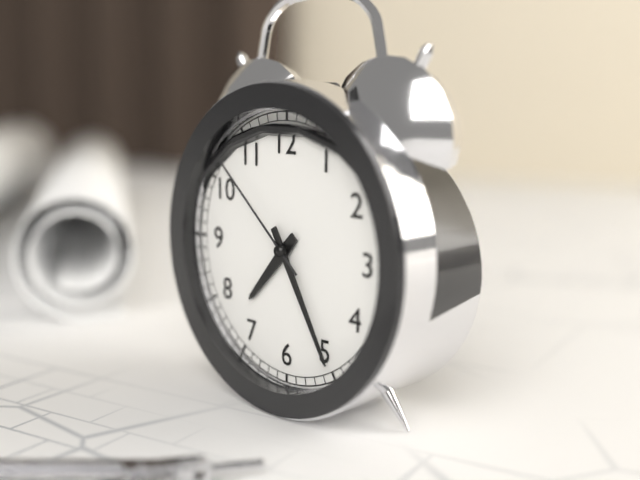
7:25:52
